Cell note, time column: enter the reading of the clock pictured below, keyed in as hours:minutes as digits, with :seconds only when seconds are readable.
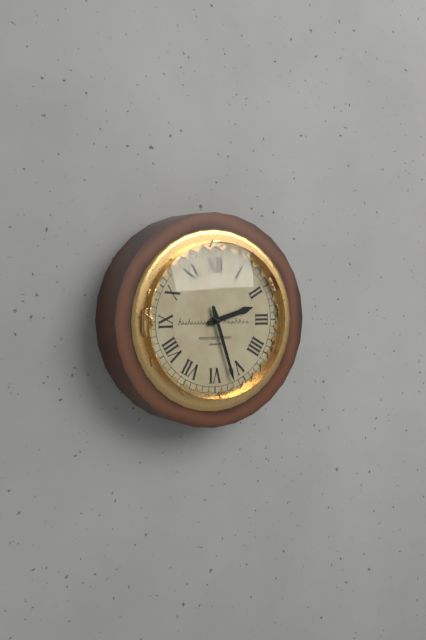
2:27
